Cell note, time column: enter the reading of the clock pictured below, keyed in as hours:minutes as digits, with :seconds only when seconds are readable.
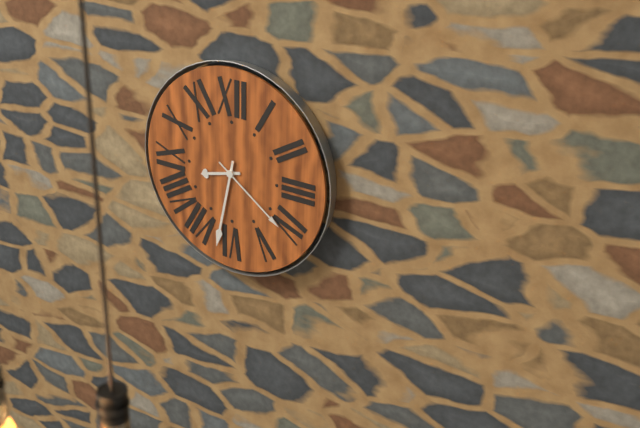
8:32:21
